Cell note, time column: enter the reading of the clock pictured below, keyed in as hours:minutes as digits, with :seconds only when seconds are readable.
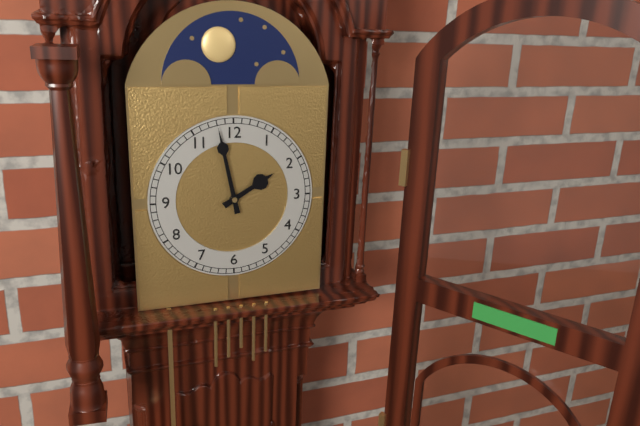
1:58
